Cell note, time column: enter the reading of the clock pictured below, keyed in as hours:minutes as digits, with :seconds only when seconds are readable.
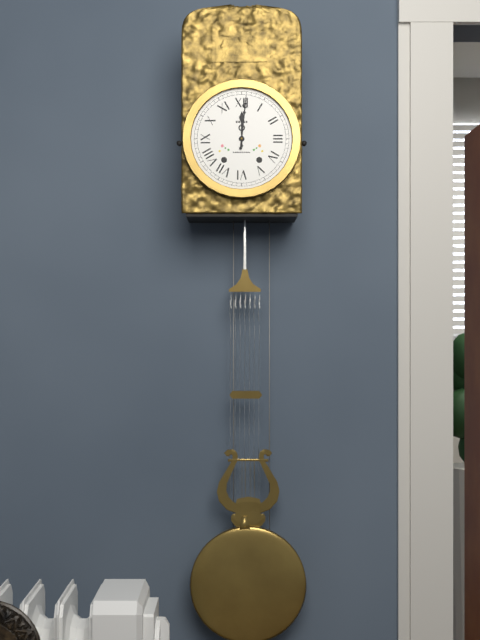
12:01
